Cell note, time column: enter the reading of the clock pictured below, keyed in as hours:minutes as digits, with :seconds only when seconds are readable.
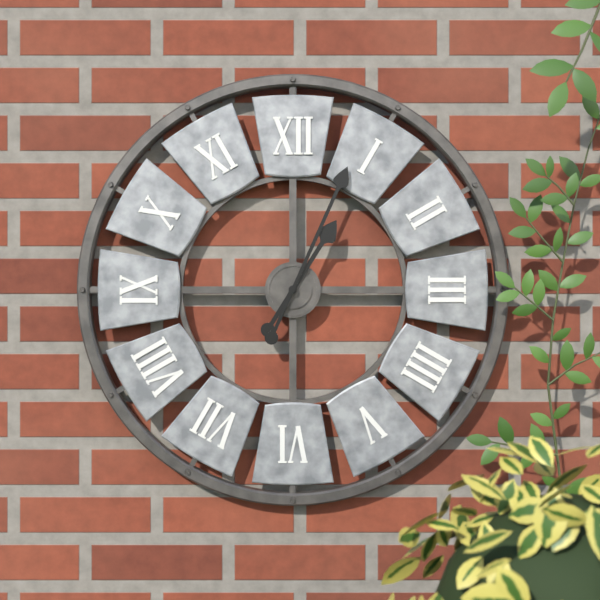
1:04
